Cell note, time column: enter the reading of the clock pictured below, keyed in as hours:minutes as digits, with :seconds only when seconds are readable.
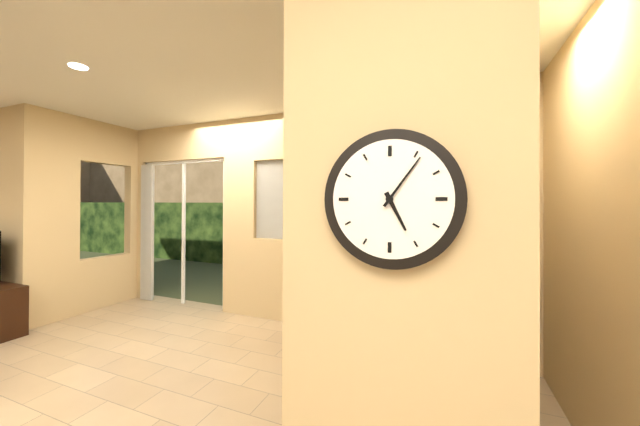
5:06
